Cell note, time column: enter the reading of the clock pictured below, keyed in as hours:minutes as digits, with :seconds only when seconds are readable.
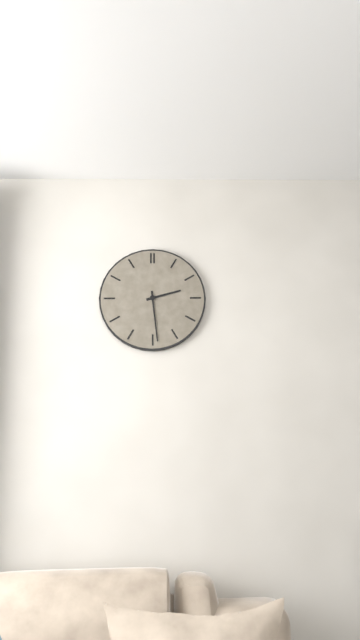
2:29
